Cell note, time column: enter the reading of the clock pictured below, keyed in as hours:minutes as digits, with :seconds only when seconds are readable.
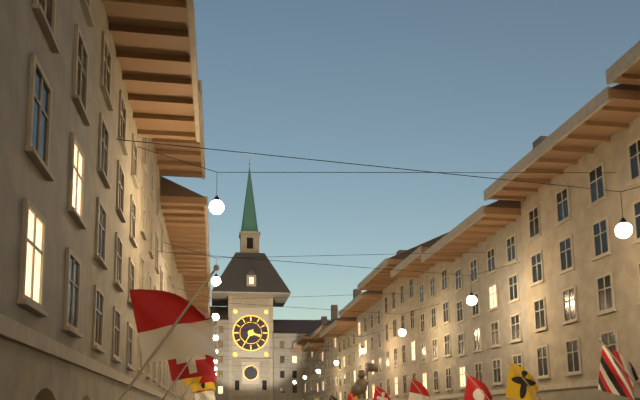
3:35
